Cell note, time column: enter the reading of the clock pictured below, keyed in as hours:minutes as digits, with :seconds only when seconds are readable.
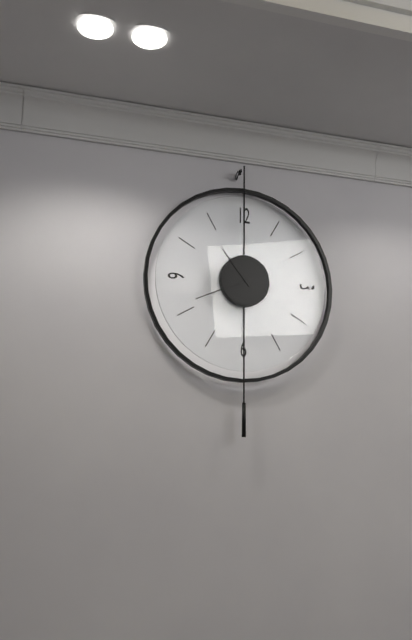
10:41
